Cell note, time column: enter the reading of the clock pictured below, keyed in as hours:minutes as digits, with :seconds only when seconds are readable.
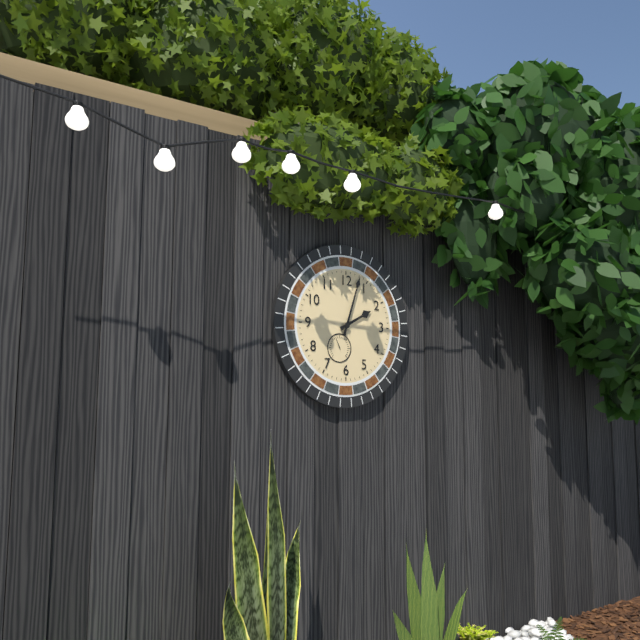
2:03
